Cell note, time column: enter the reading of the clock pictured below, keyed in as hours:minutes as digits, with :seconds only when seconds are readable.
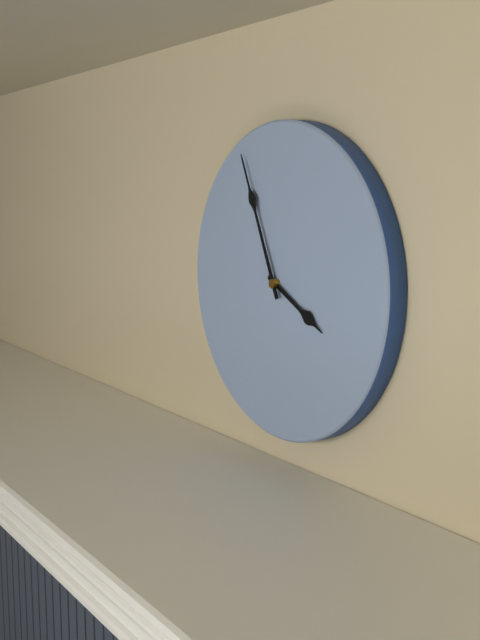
3:56
